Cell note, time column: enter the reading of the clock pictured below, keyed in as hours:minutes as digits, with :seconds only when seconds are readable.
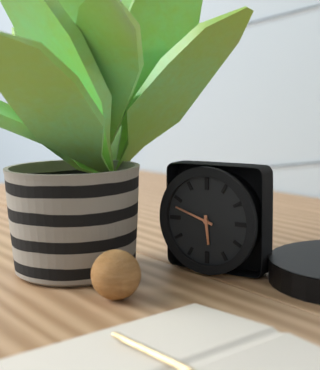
5:48
